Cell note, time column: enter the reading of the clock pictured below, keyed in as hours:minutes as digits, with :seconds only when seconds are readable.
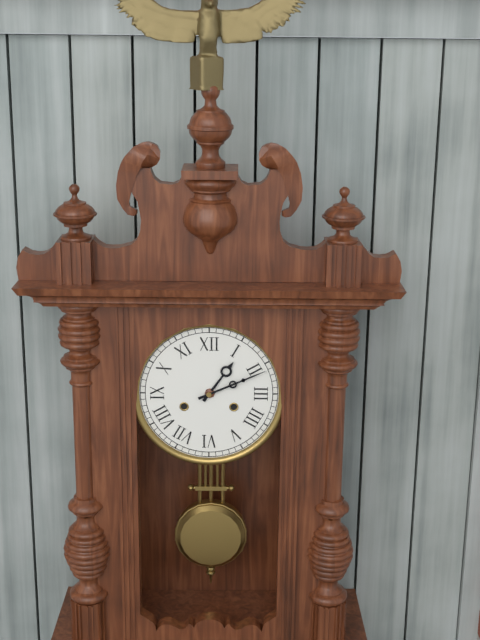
1:11
